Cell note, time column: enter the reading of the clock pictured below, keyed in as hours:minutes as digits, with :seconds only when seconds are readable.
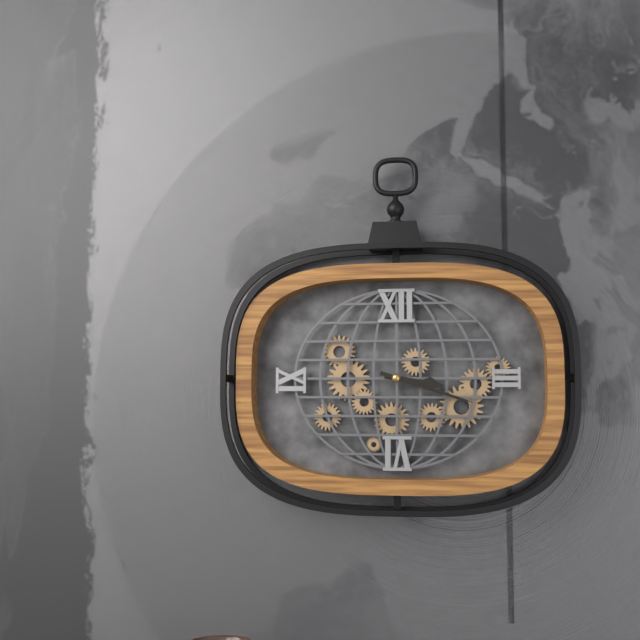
3:18
